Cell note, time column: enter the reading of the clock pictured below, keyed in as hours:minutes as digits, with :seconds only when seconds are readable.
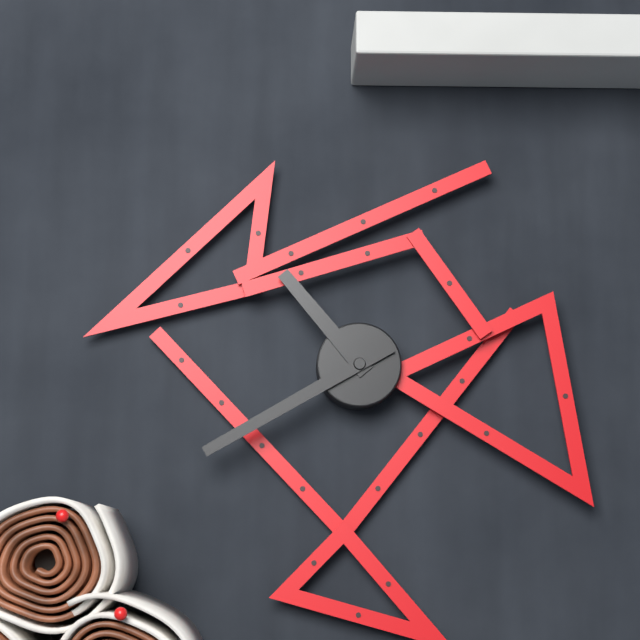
10:40
